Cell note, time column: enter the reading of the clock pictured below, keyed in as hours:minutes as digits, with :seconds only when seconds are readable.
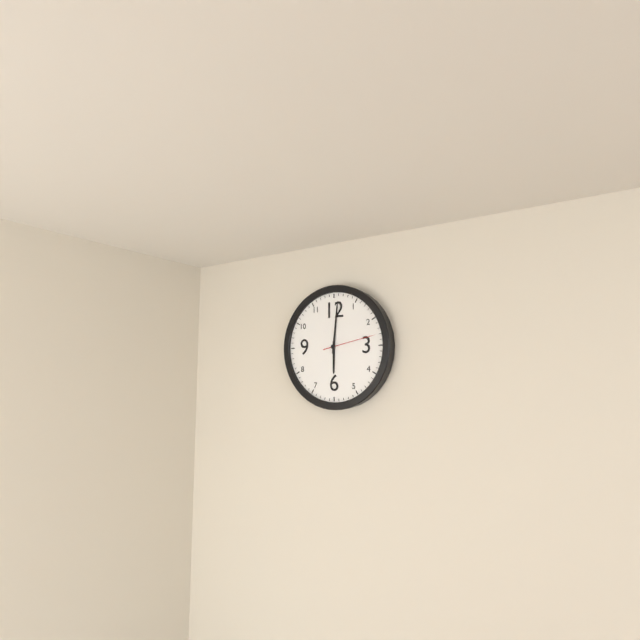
6:01:13
